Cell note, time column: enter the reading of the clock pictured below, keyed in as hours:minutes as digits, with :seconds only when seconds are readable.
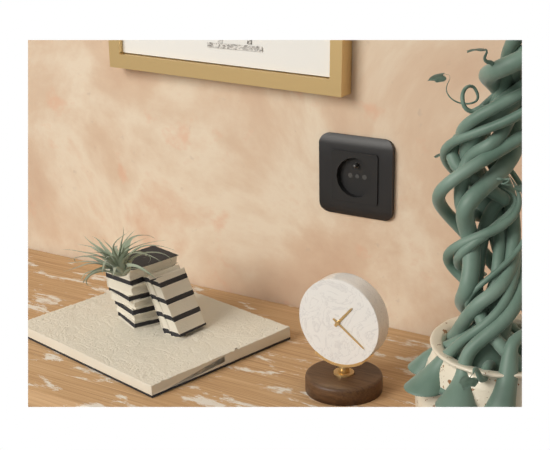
1:21
